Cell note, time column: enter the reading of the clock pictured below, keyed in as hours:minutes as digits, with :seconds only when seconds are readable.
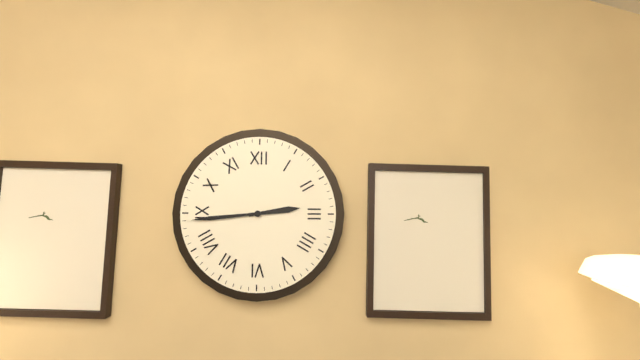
2:44
